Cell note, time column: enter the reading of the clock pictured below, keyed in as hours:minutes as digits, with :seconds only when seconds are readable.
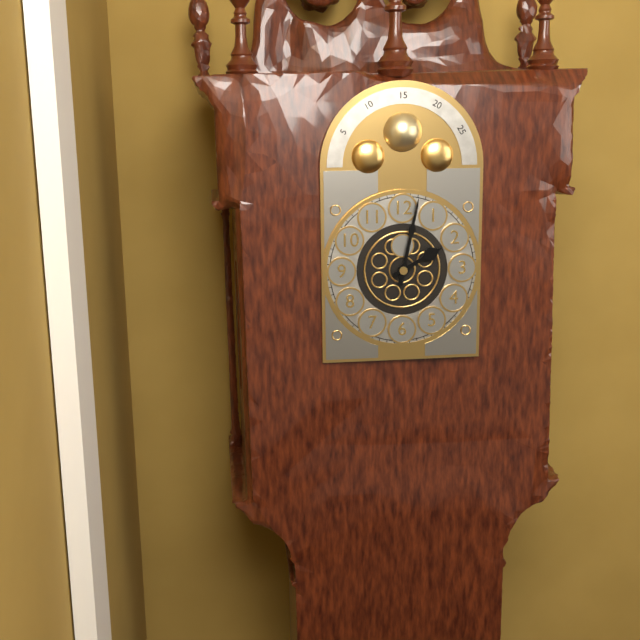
2:02
